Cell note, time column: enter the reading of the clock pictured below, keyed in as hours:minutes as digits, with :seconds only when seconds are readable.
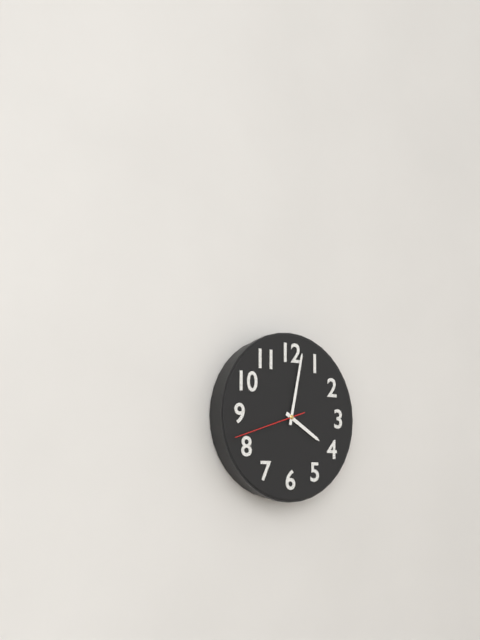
4:02:42
